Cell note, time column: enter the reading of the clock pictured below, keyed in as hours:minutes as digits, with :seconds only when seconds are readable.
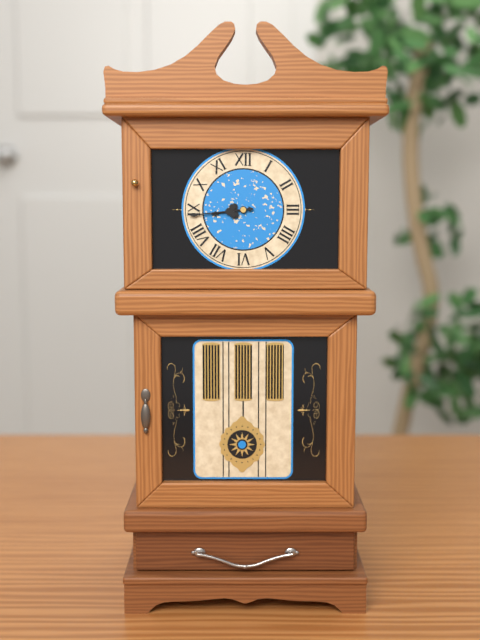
8:44
